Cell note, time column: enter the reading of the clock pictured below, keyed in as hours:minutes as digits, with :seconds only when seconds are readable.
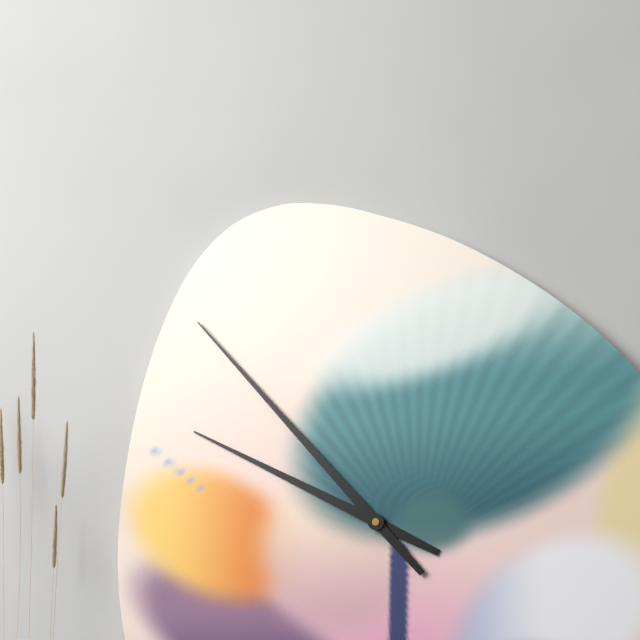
9:53
